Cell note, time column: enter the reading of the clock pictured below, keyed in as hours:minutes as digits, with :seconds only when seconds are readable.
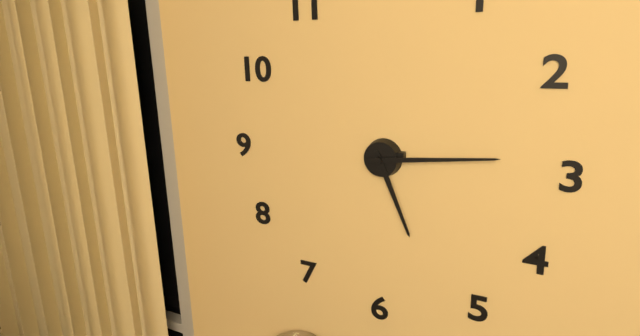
5:14
